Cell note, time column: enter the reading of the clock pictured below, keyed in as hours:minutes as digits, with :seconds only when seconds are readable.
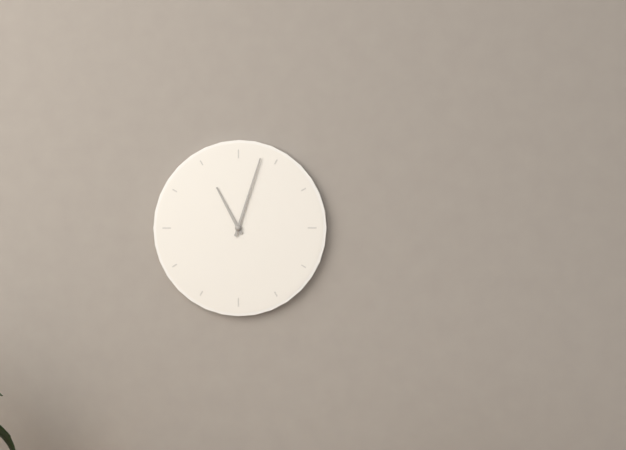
11:03
